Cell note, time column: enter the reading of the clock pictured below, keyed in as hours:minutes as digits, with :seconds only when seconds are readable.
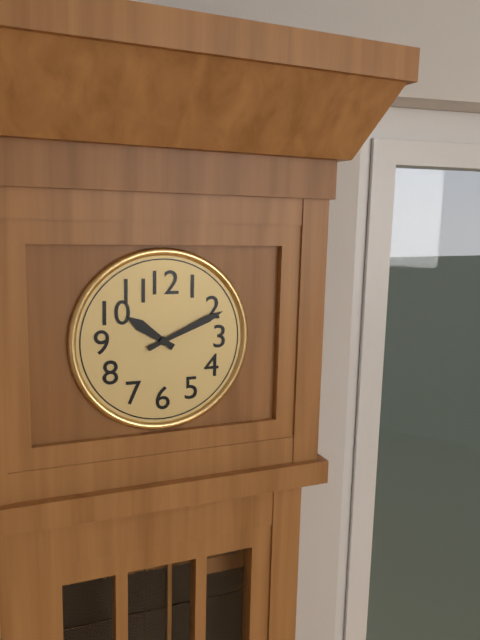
10:11
